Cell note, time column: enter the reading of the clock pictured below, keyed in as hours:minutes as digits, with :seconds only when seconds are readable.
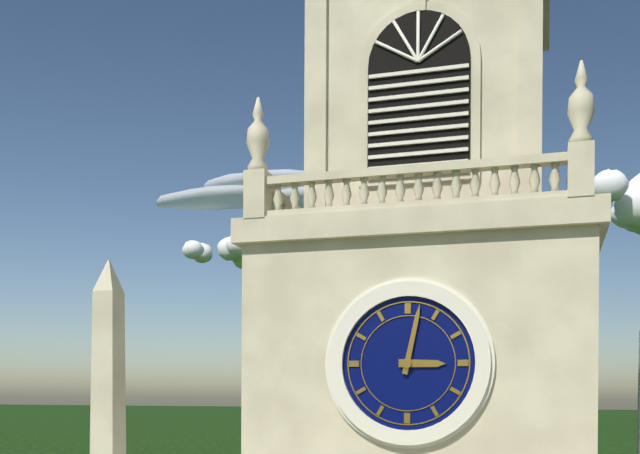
3:02
